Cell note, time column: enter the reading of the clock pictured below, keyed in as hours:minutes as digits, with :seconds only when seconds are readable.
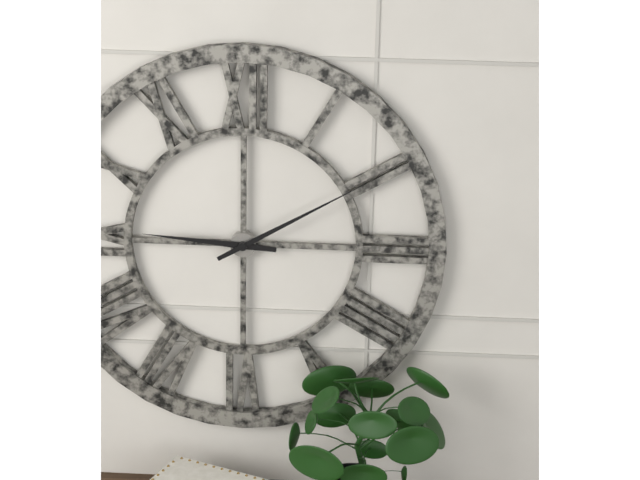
9:10
